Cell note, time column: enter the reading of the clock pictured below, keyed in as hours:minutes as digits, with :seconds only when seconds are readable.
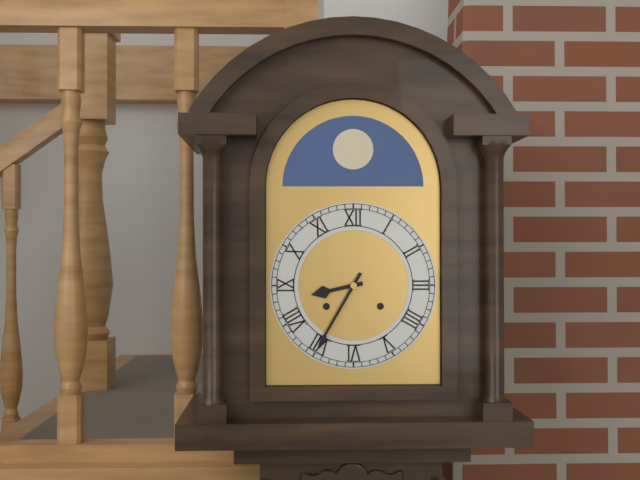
8:35
